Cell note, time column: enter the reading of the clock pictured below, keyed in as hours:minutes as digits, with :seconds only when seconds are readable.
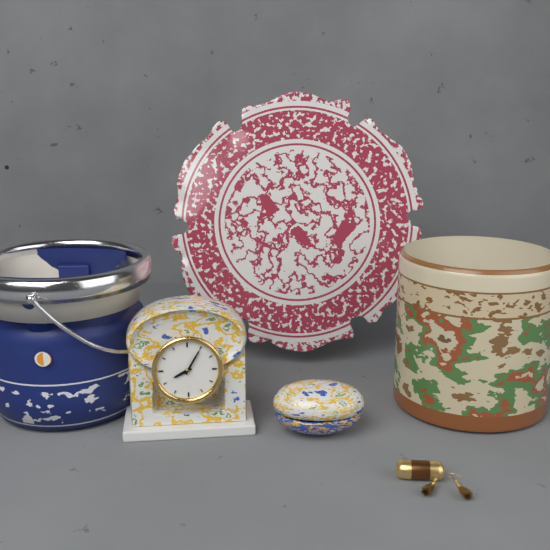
8:05
